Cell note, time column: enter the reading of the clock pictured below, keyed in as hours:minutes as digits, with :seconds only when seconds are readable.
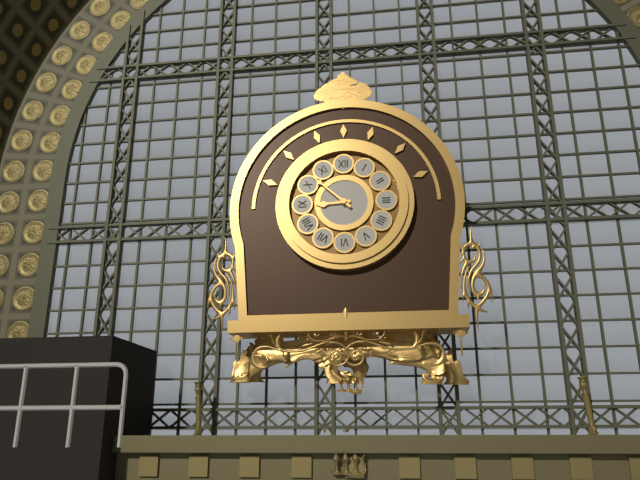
8:52
